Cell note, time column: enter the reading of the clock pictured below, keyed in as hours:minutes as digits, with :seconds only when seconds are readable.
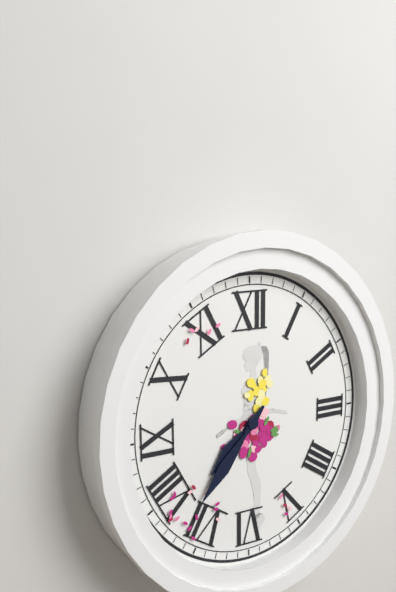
7:37
